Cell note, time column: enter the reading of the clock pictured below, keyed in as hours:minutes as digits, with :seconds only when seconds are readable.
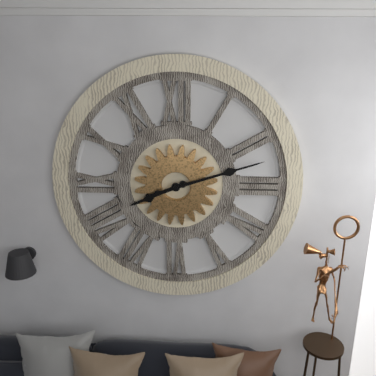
8:12
